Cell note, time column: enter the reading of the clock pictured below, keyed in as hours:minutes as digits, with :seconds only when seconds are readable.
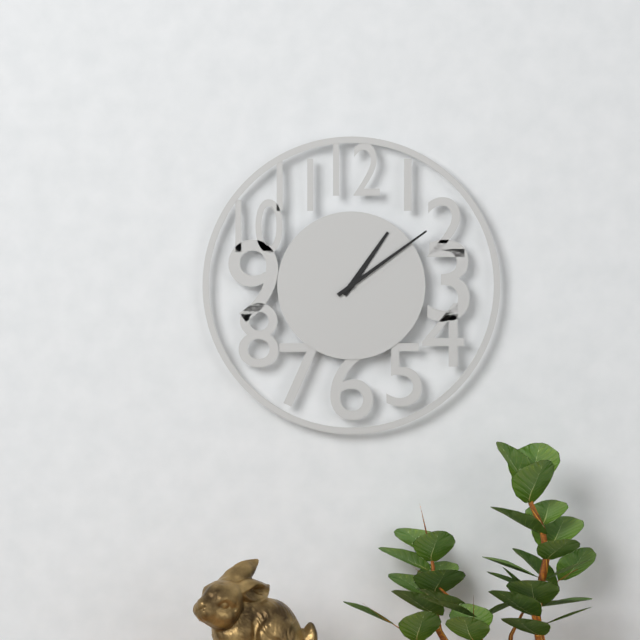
1:09
